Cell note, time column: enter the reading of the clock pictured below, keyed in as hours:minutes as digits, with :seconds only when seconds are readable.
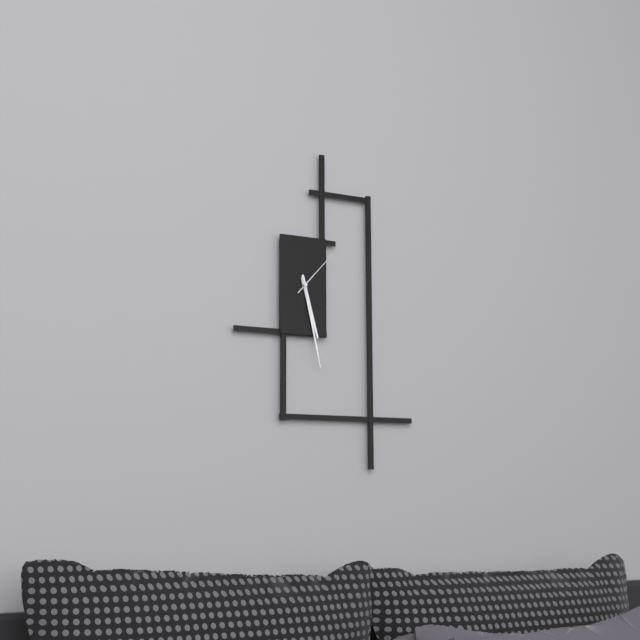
5:28
